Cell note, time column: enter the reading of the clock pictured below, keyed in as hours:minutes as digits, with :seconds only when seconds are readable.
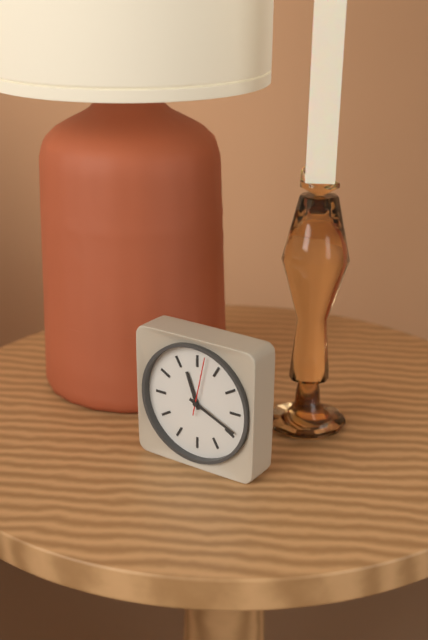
11:19:02
